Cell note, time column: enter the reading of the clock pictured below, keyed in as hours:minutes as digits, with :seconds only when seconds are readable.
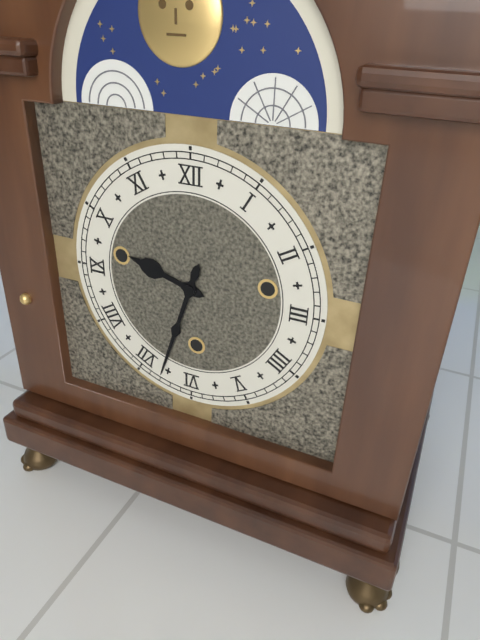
9:33
